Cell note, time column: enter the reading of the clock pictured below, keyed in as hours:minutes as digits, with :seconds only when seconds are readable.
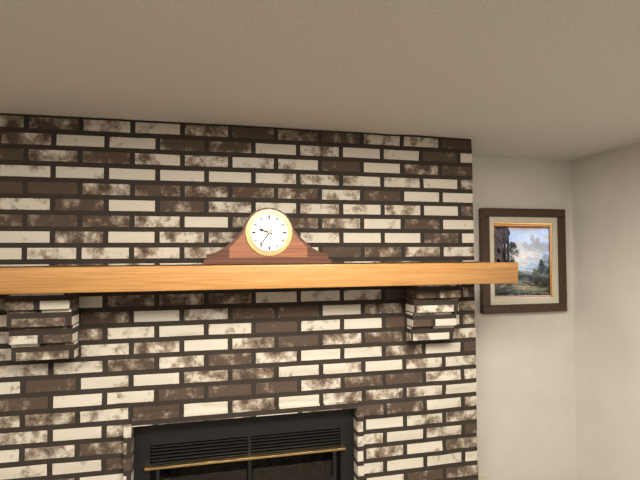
9:36
